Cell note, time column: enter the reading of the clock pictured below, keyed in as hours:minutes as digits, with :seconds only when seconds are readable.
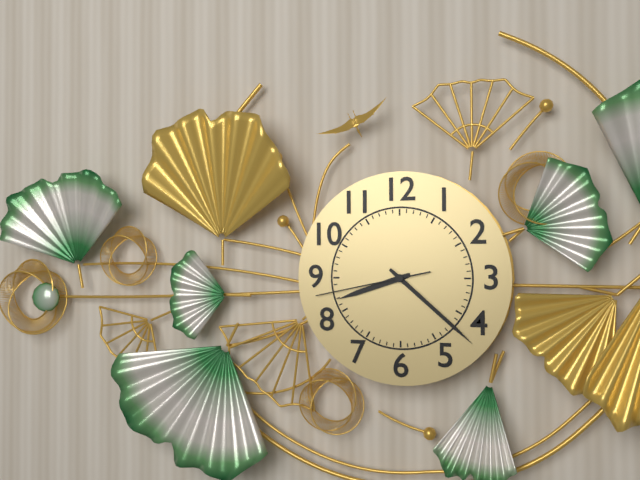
8:22:43
